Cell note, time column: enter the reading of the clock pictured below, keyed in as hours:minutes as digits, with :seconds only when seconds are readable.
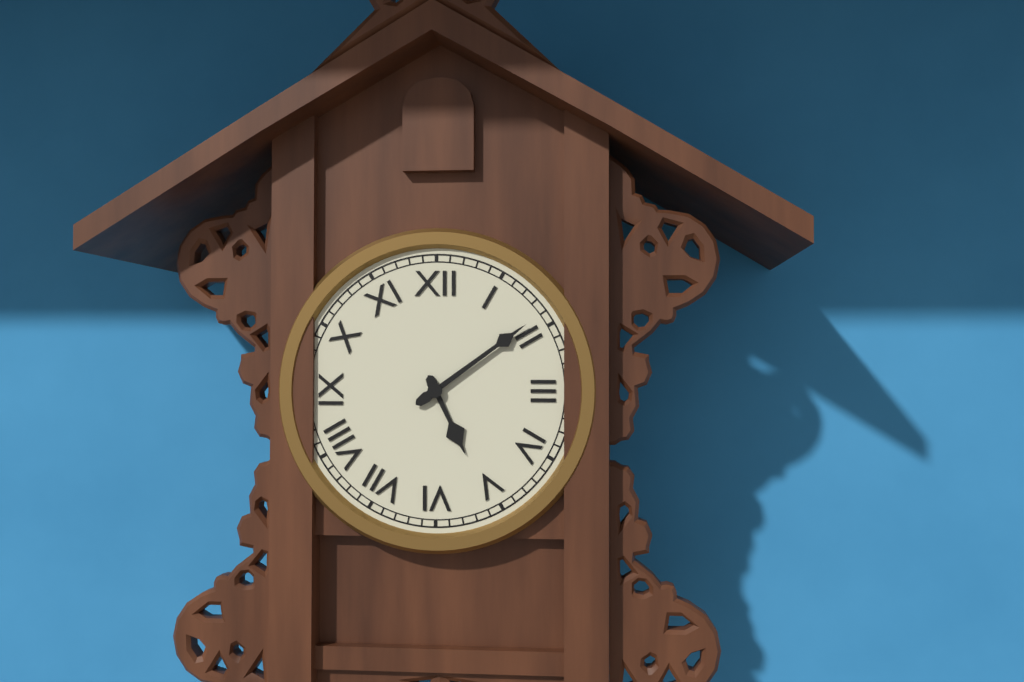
5:09
